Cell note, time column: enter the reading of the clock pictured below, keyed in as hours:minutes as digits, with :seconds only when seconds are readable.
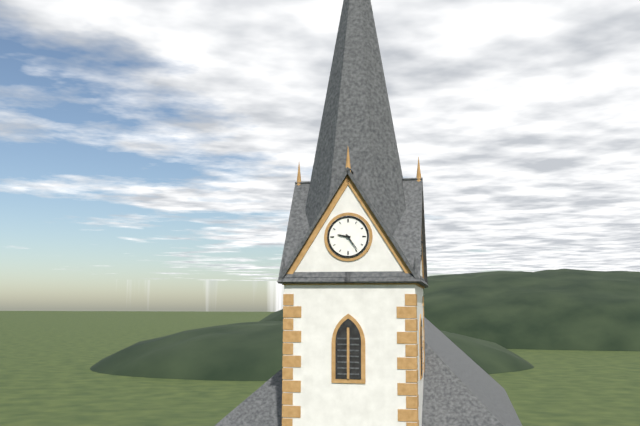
9:24
